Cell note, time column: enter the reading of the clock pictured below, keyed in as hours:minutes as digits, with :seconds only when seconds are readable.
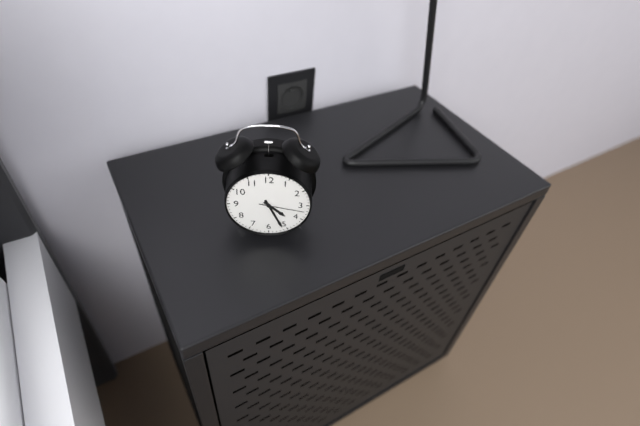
4:26
